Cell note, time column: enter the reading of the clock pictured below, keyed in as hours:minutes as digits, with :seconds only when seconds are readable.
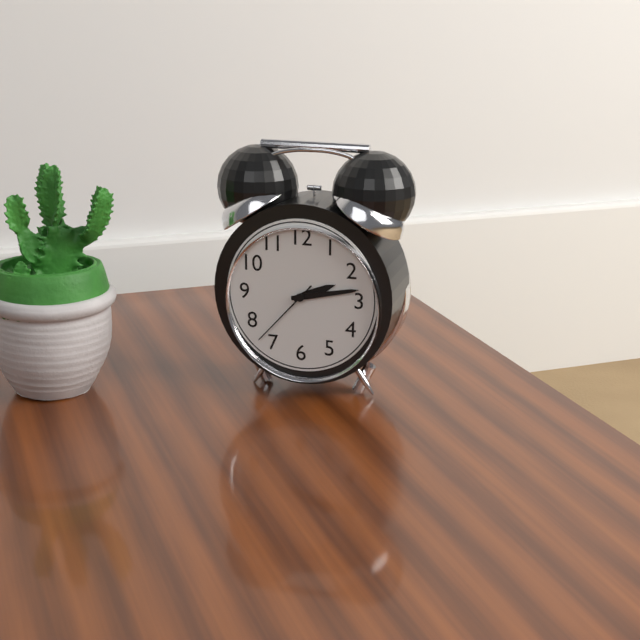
2:13:37
